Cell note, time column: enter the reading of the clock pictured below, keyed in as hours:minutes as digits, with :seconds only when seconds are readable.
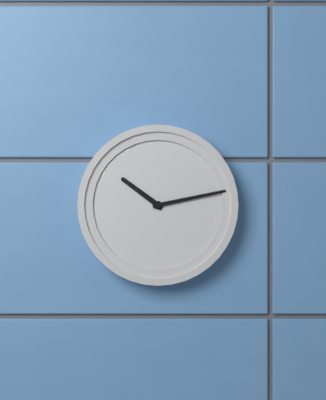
10:13
